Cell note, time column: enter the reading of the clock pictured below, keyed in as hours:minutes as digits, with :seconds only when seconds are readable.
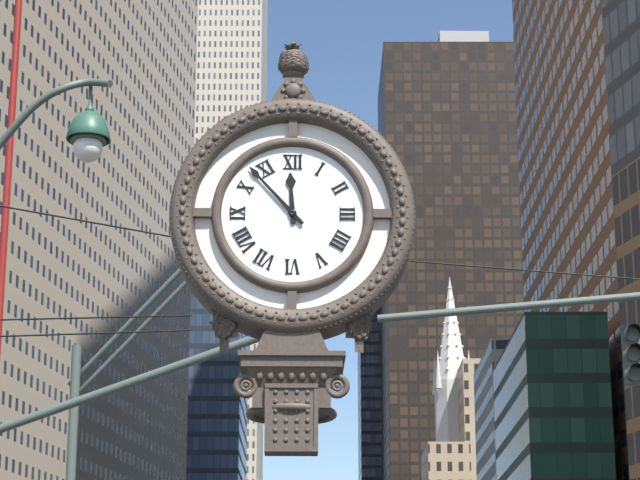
11:53
